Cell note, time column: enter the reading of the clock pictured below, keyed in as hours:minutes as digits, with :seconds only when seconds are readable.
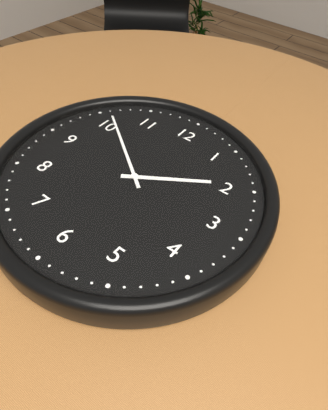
1:51
